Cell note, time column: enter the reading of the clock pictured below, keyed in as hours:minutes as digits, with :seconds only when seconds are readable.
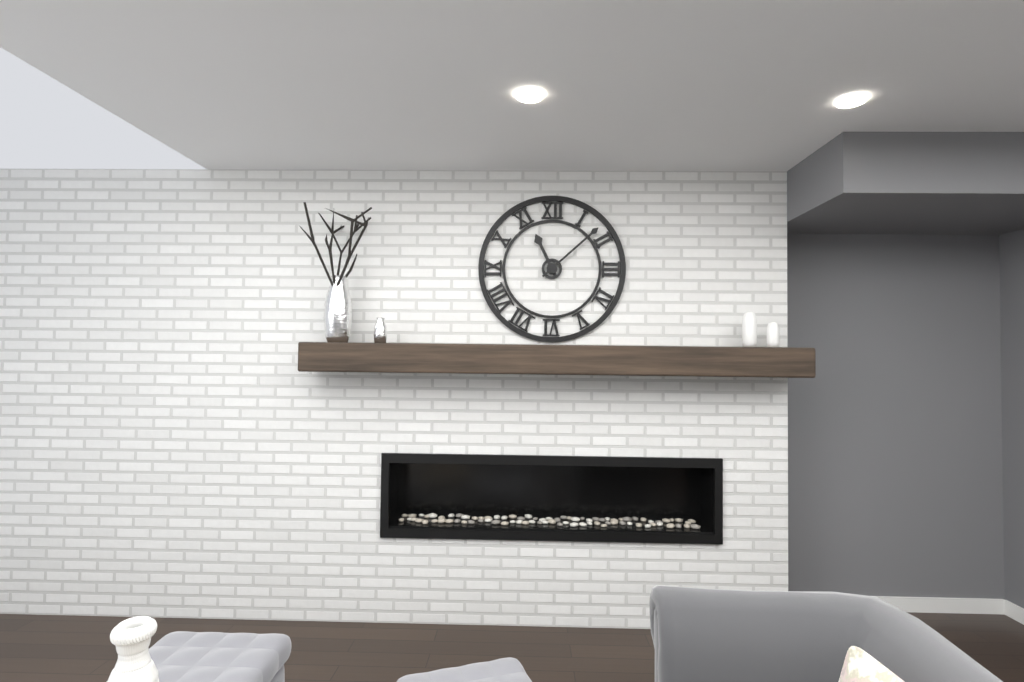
11:08
